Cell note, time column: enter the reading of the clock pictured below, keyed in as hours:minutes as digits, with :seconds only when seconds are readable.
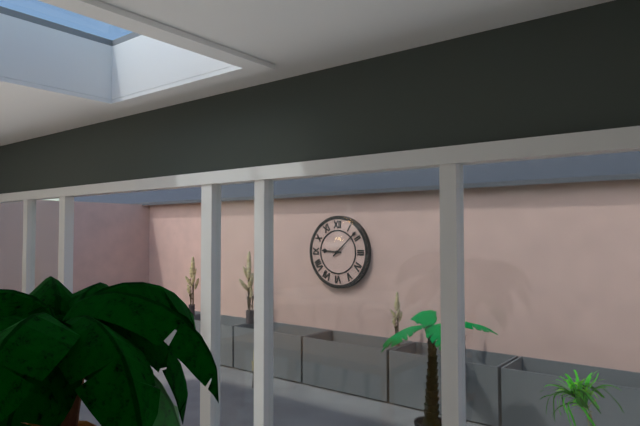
9:08
